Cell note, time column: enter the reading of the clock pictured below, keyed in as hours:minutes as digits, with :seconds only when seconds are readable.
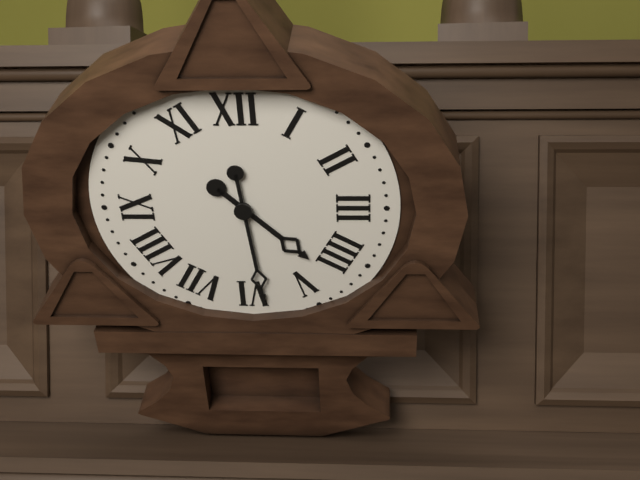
4:29
